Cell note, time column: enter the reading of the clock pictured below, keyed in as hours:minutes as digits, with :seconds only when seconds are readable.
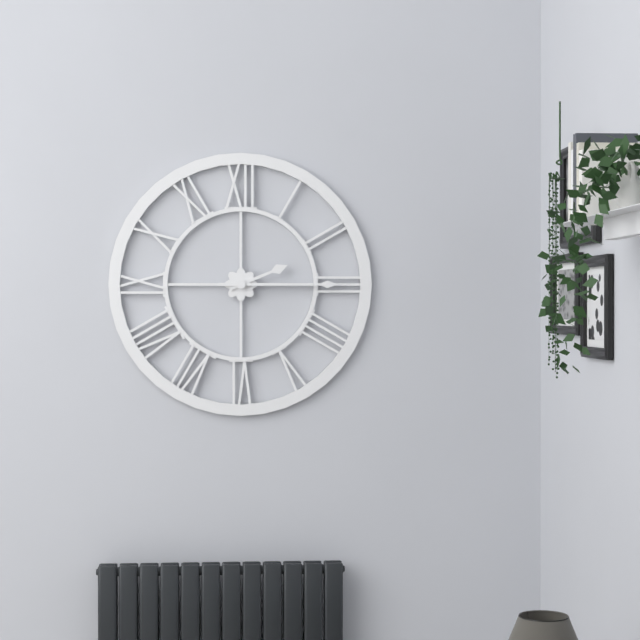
2:15
